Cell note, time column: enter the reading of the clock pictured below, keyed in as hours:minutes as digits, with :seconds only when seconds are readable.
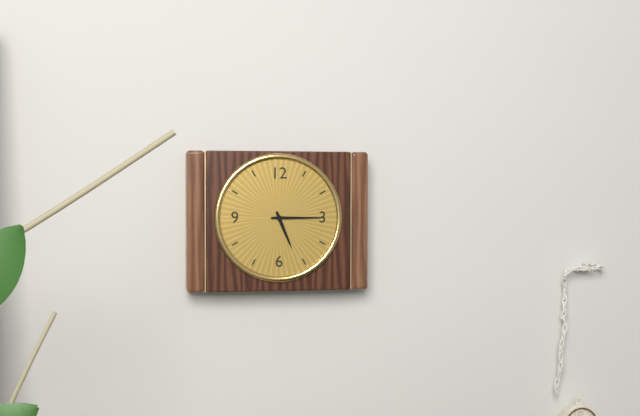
5:15
